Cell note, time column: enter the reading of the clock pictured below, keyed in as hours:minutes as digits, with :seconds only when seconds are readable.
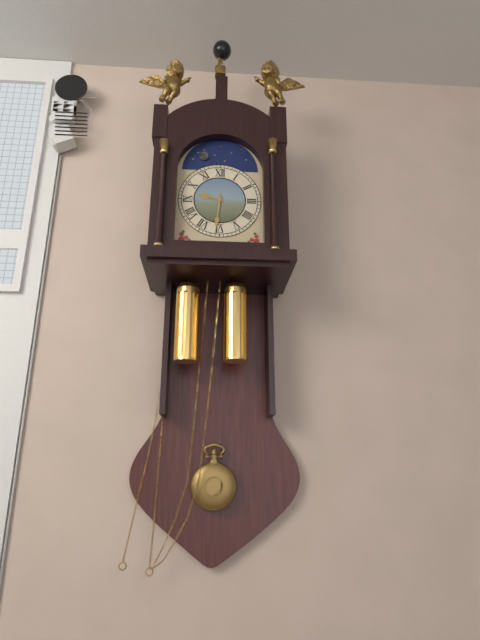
9:31
